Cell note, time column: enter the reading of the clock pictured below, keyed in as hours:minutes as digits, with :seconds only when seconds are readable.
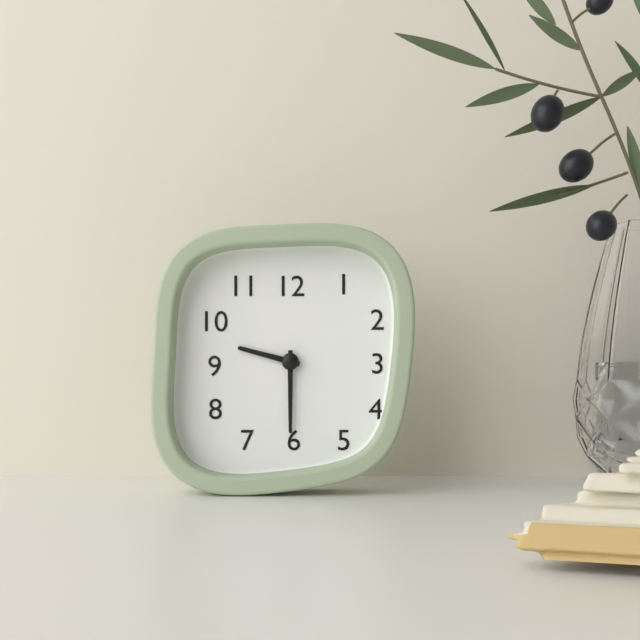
9:30
